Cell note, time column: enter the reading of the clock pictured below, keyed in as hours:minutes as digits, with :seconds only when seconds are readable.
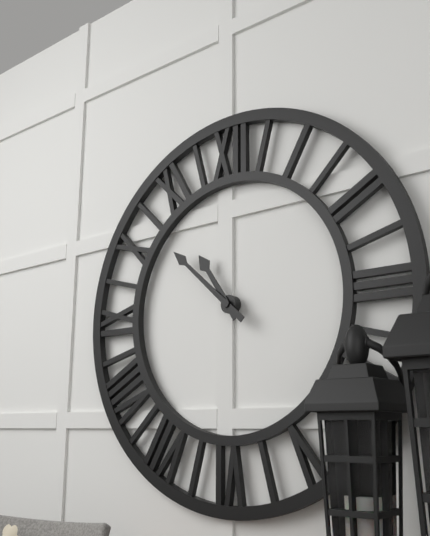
10:52
